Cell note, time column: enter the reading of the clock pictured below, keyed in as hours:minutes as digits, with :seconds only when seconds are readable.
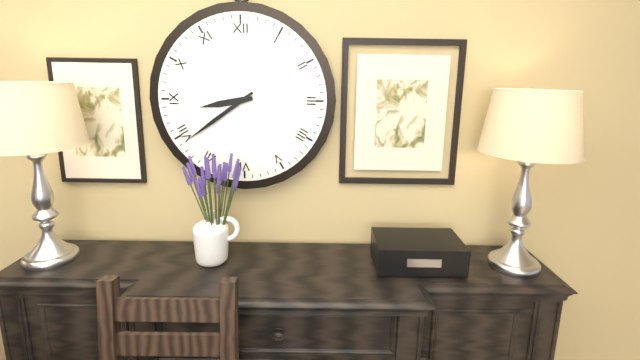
8:39
